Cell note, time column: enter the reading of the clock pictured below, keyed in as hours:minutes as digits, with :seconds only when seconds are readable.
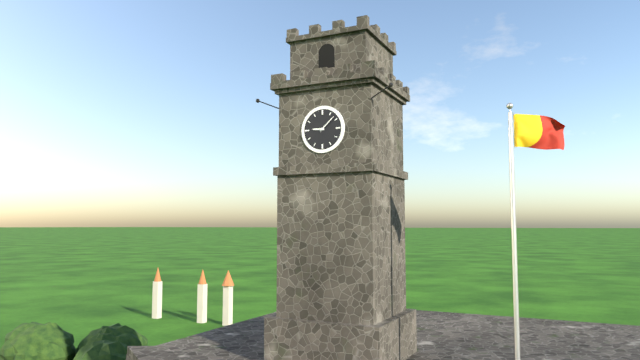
9:08
